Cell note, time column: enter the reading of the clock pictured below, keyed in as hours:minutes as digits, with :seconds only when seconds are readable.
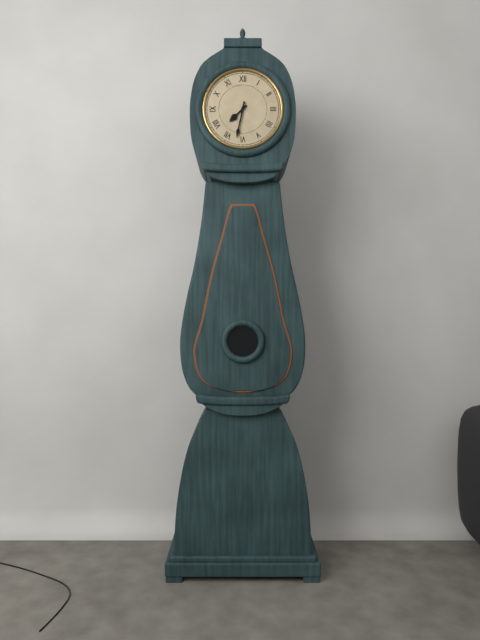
7:32
